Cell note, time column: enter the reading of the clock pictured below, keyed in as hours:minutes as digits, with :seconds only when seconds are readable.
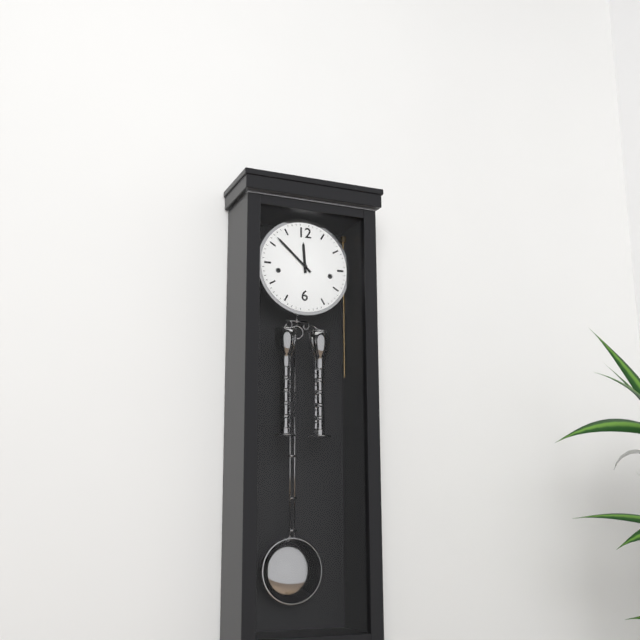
11:52
